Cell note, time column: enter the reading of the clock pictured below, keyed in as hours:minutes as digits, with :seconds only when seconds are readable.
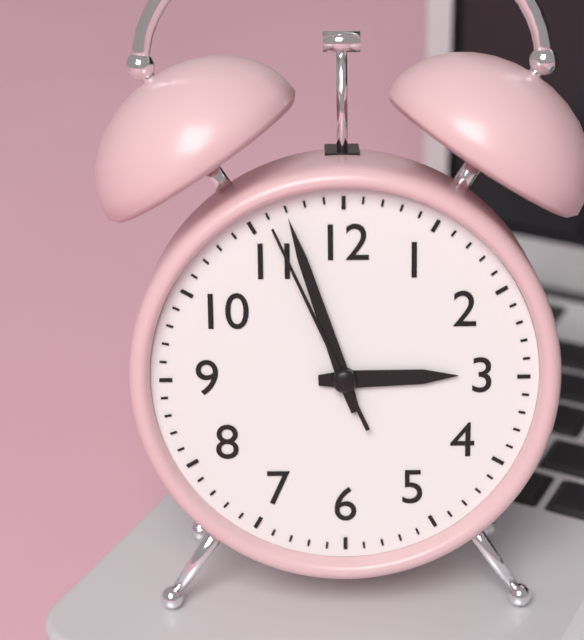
2:57:56
